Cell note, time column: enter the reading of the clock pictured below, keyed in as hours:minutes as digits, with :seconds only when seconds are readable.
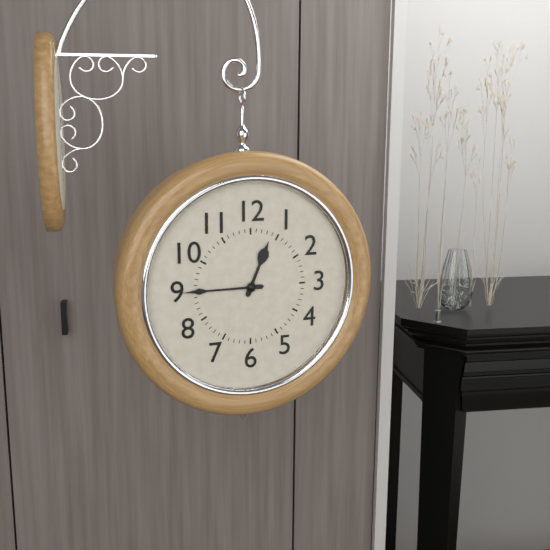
12:45
